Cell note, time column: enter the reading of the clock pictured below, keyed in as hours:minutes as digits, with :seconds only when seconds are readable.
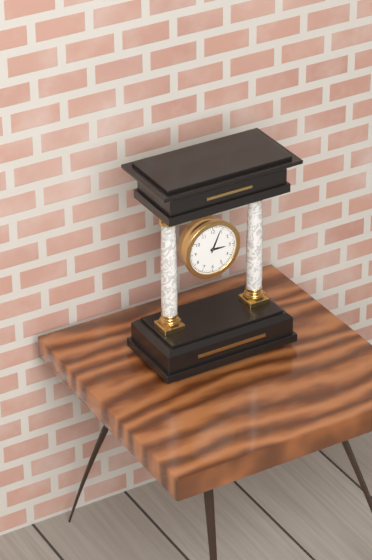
3:04
